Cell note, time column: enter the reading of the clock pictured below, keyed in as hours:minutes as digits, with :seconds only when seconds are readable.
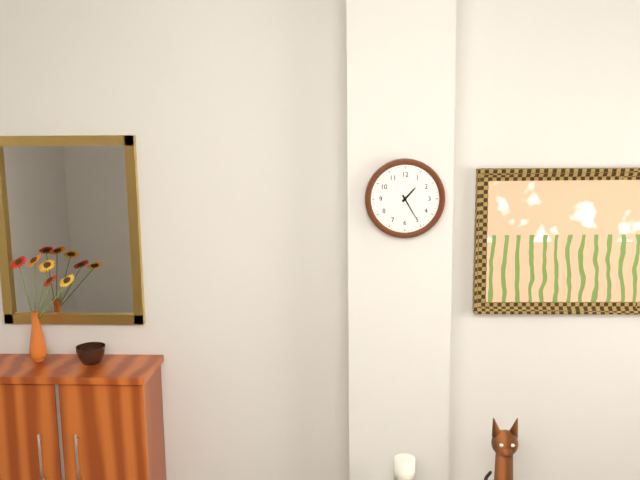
1:25
